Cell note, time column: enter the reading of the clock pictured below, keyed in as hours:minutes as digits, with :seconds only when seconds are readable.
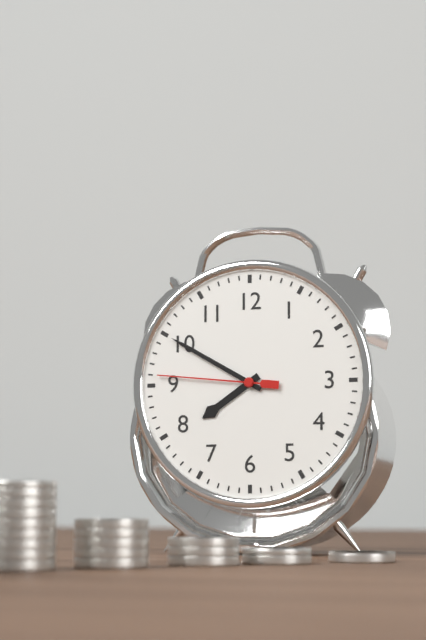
7:50:46
